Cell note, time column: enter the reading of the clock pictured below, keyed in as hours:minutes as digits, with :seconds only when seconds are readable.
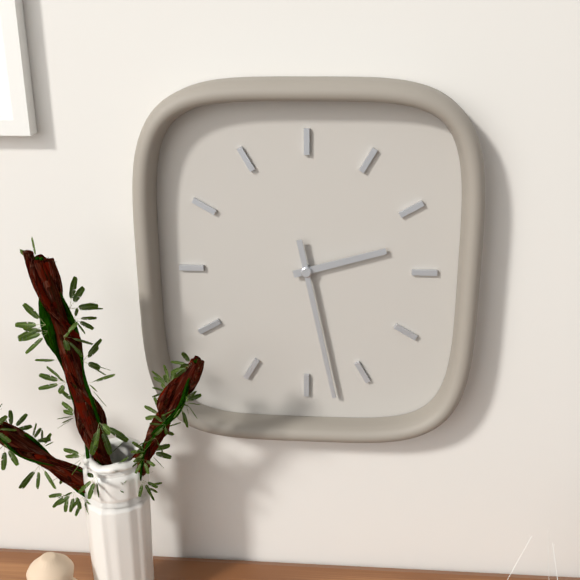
2:28
